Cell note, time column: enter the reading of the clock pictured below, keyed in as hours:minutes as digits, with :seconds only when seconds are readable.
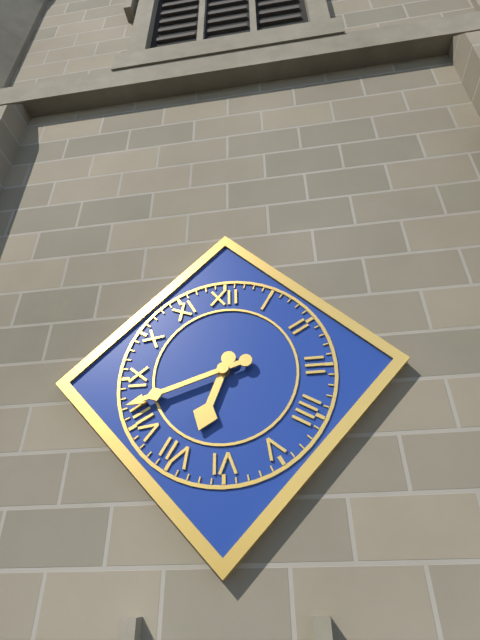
6:42
